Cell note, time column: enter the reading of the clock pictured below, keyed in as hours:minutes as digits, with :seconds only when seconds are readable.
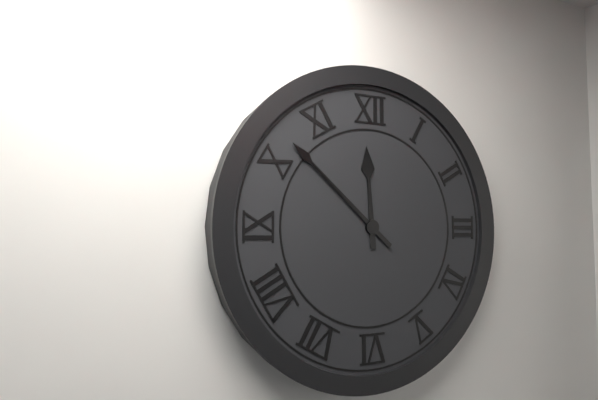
11:52
